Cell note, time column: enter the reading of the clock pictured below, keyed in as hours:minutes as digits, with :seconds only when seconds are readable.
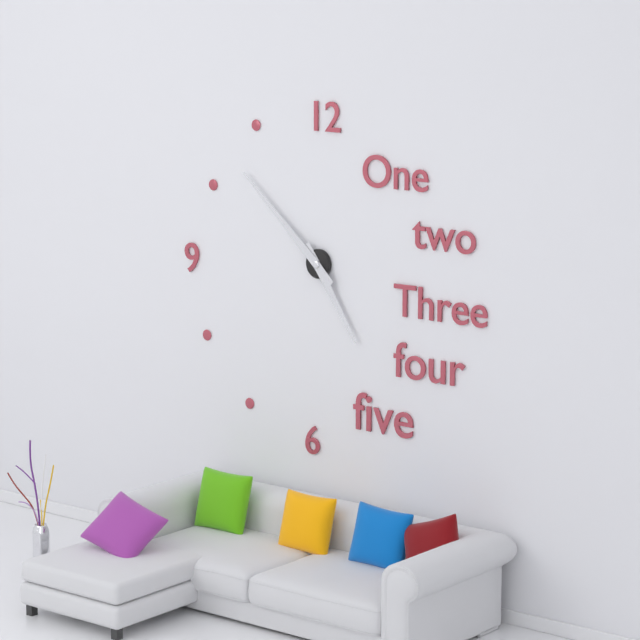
4:52
